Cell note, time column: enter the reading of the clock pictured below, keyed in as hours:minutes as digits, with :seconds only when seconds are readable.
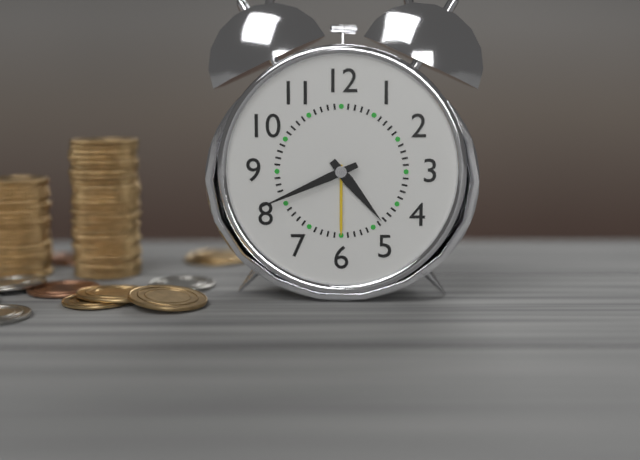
4:41
